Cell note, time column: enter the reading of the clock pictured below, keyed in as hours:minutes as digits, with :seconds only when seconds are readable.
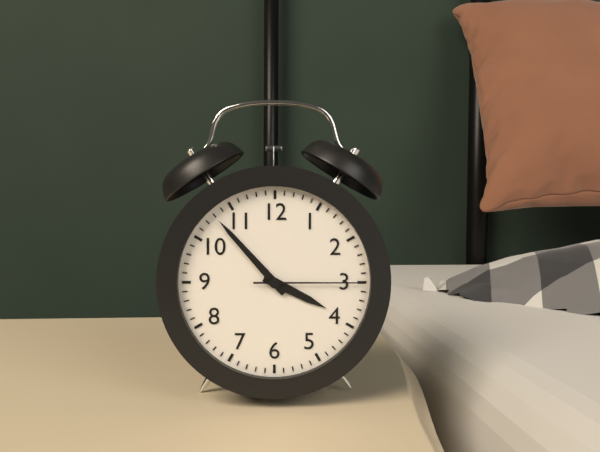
3:53:15
